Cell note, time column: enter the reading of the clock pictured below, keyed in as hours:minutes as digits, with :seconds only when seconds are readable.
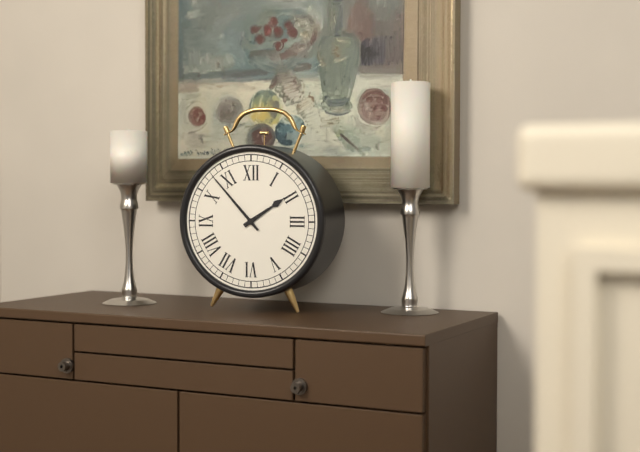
1:53
